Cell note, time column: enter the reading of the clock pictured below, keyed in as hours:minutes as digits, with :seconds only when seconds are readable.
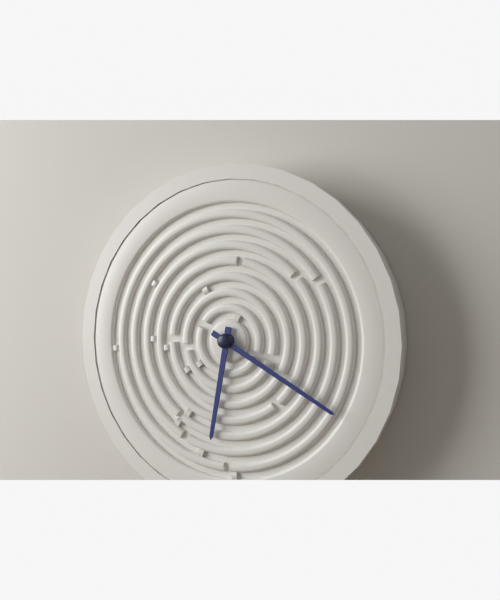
6:20
